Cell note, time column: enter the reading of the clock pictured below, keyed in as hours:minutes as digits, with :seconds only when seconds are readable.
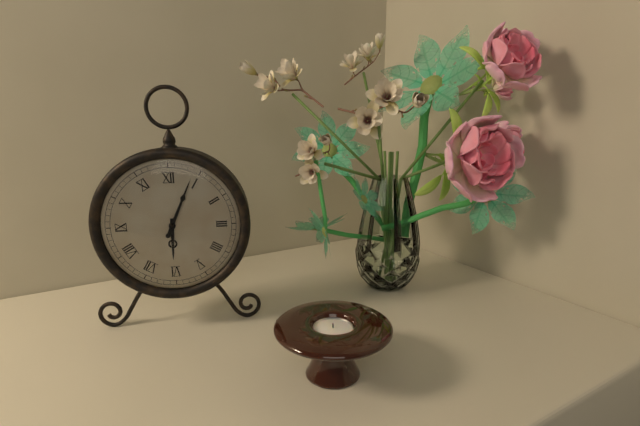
6:04
